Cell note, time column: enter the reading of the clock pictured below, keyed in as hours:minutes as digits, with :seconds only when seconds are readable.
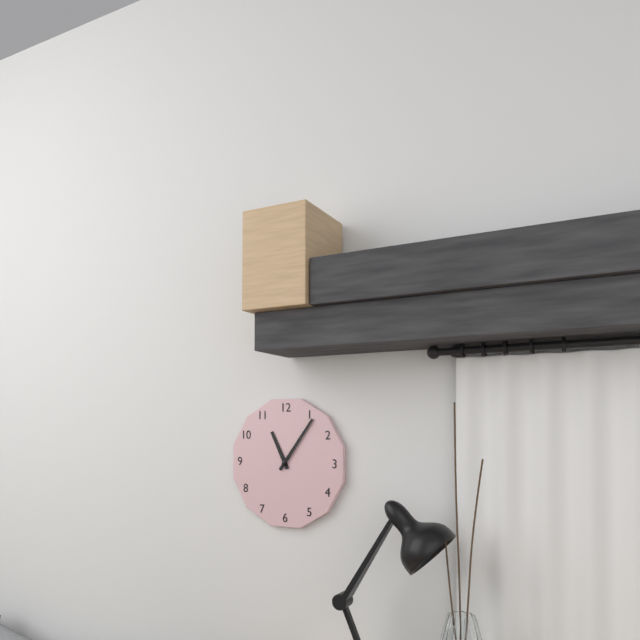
11:06
